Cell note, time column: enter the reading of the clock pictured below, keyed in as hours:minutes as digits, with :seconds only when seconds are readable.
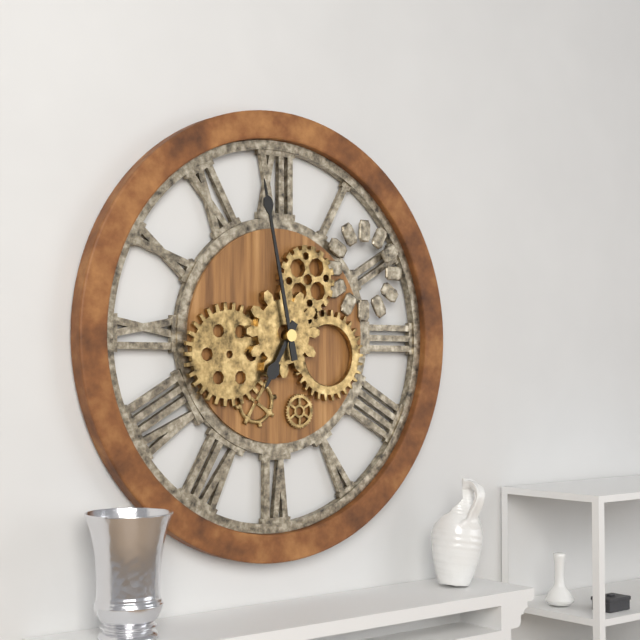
6:58
